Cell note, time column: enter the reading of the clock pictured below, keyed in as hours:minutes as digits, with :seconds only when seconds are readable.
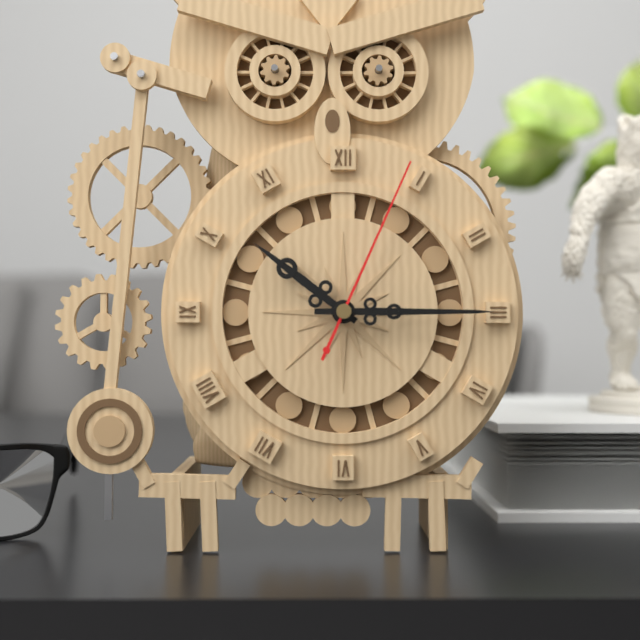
10:15:04
